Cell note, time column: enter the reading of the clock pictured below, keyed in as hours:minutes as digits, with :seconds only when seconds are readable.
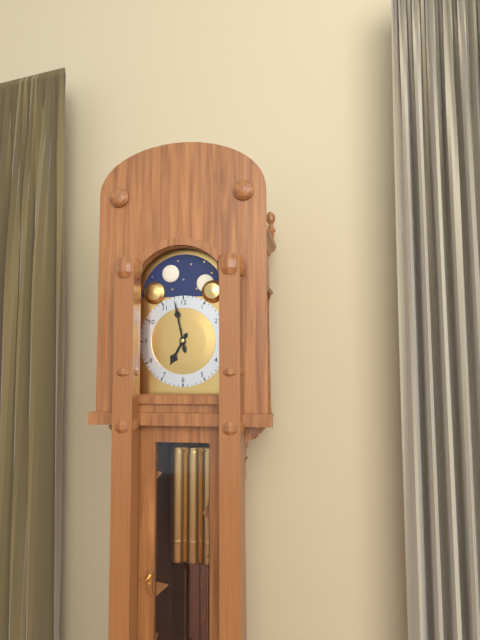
6:58
